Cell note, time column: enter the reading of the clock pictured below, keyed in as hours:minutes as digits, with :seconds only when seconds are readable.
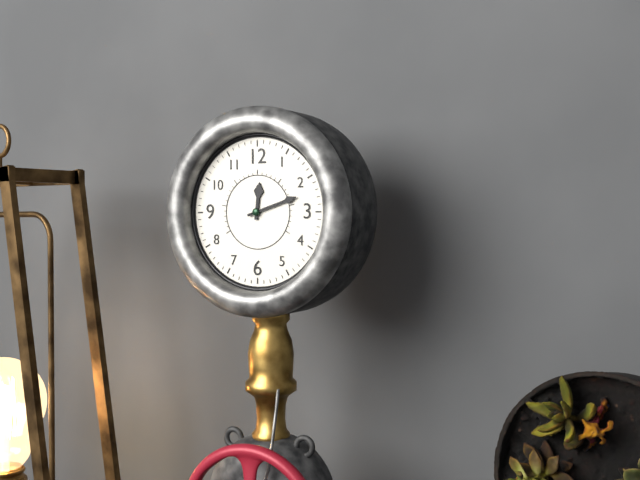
12:12
